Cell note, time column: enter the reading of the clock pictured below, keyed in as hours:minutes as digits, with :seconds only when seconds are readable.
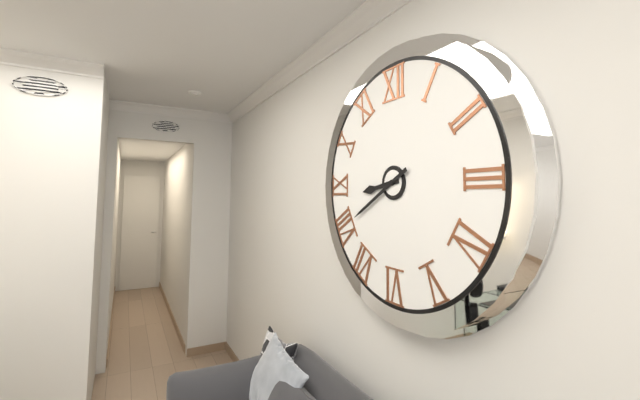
8:40
